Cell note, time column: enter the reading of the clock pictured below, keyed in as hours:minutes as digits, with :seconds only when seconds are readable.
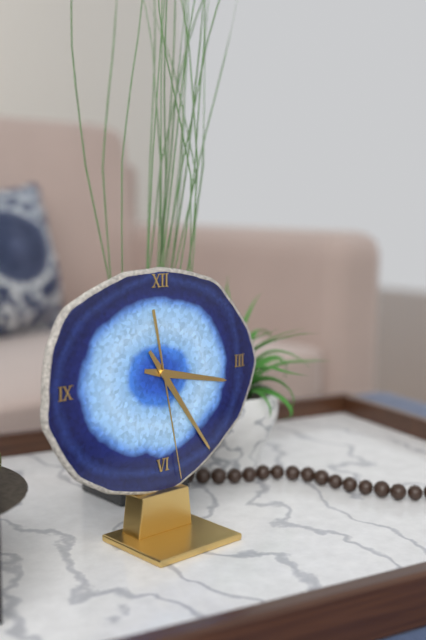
3:24:28
